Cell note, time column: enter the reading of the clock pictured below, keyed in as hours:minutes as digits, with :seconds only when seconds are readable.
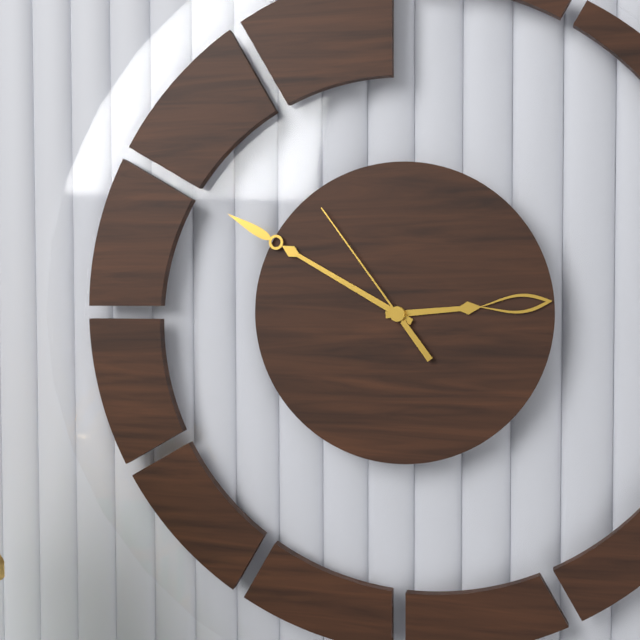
2:50:54
